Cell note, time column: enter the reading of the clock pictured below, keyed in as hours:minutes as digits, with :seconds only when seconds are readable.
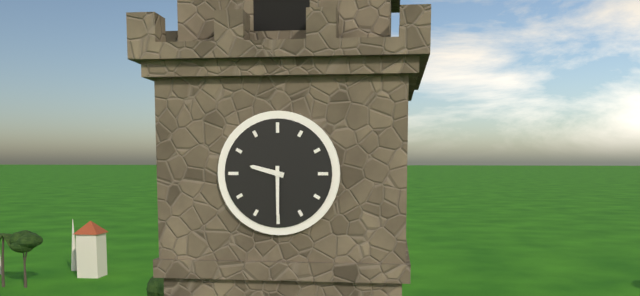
9:30
